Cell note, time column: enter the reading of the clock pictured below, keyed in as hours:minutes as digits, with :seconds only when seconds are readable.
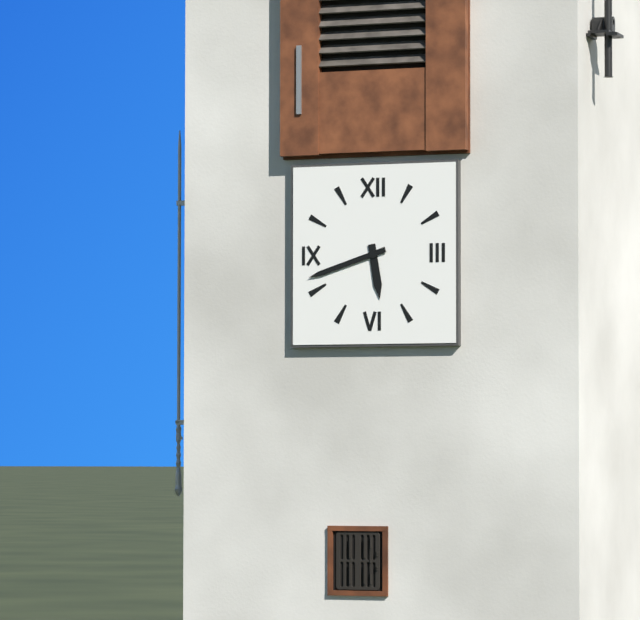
5:42
